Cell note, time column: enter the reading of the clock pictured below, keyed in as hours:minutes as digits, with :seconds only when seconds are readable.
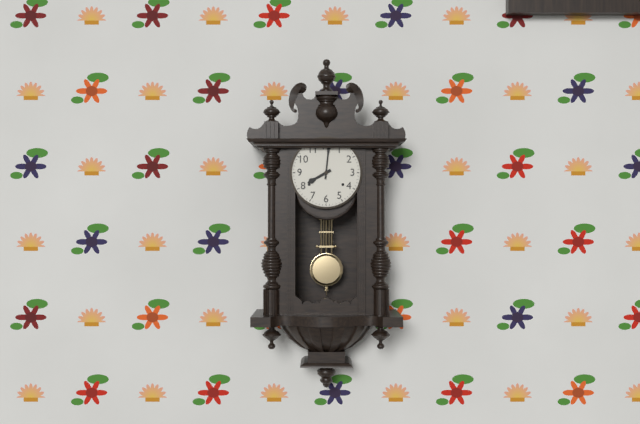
8:01
